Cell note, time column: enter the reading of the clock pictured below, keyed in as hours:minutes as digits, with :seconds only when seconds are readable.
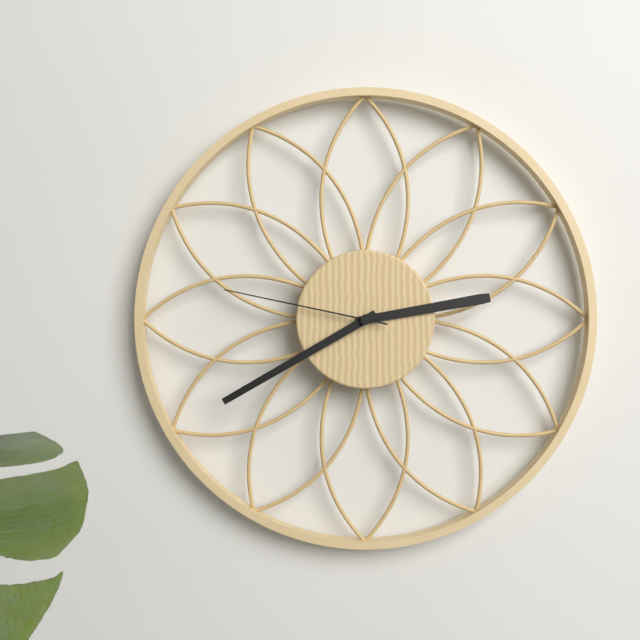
2:40:47
